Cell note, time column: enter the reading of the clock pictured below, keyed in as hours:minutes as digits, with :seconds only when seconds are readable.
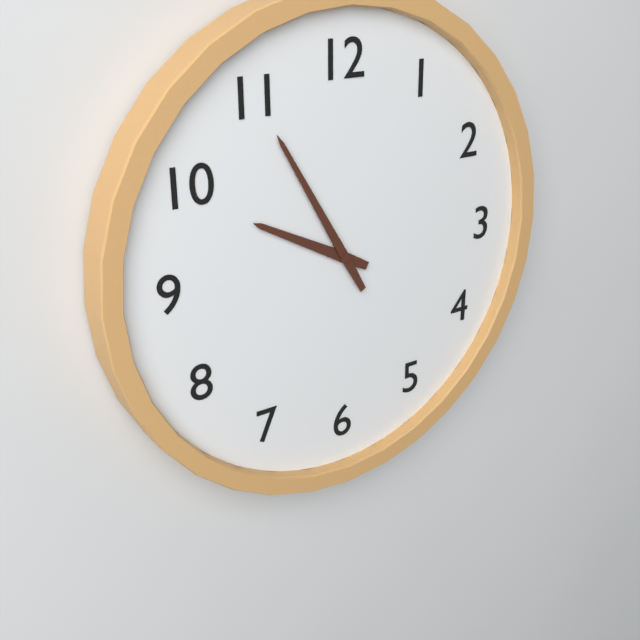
9:55
